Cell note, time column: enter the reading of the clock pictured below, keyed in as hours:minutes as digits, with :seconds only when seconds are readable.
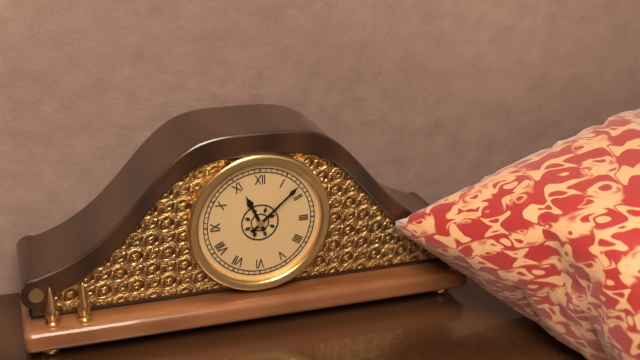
11:08
